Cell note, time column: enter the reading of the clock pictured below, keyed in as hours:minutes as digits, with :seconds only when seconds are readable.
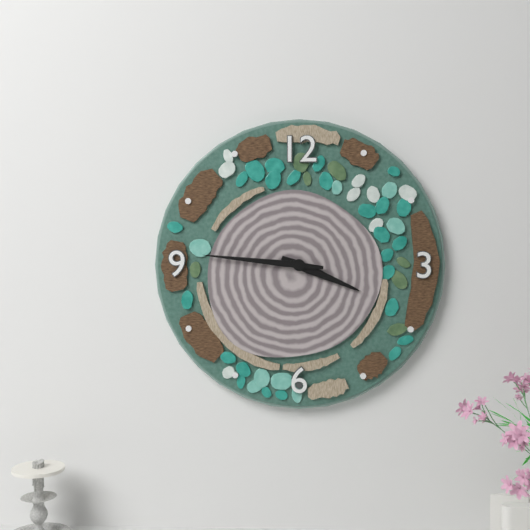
3:46
